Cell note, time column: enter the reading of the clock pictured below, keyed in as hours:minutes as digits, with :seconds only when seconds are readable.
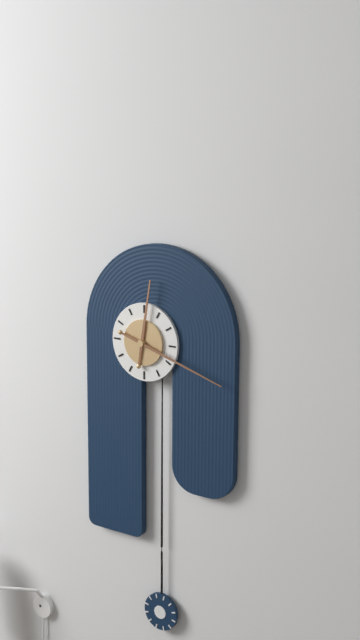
12:18
